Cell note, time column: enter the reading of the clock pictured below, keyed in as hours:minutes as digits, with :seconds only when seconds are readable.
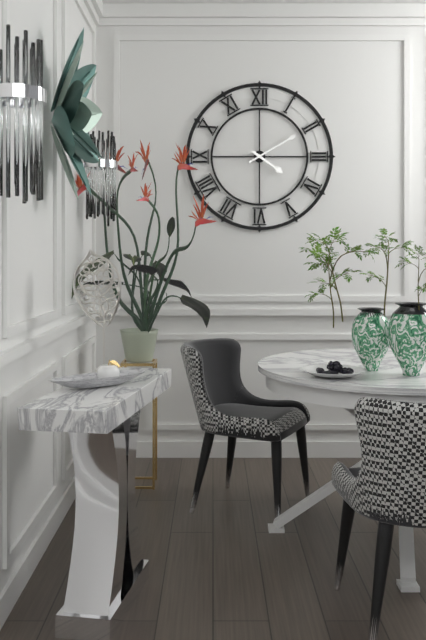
4:10
